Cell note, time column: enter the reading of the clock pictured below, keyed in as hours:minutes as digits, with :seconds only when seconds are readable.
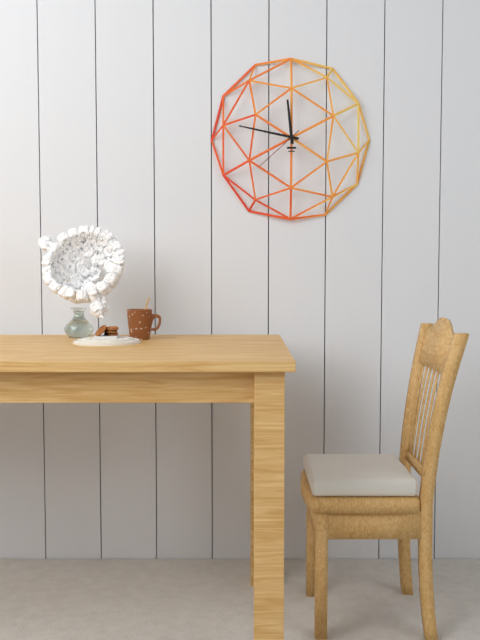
11:47:38
